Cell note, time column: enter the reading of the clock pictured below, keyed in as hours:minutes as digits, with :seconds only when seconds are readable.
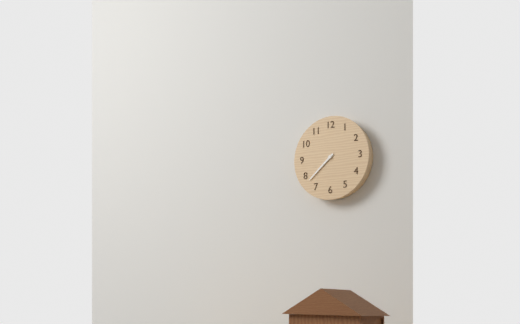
7:38
